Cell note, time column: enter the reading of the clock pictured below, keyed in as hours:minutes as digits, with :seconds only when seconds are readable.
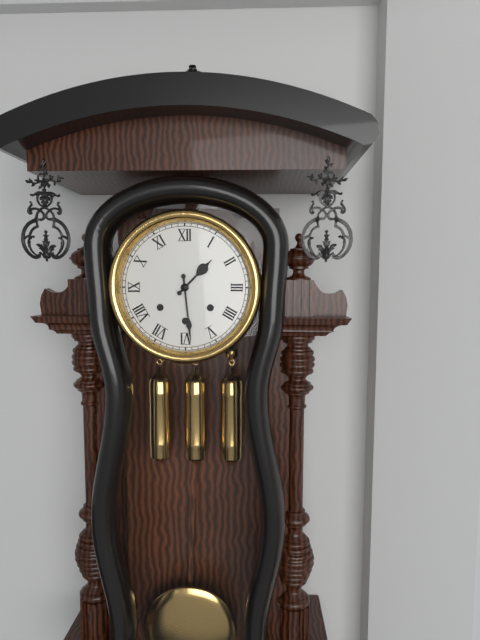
1:29
